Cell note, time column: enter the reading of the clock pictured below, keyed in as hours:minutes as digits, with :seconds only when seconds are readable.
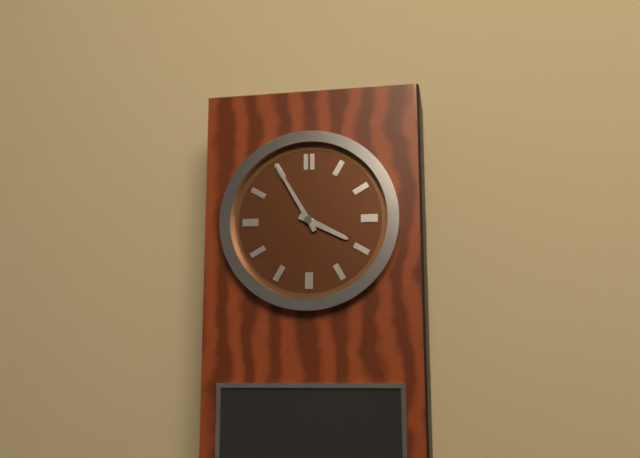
3:55
